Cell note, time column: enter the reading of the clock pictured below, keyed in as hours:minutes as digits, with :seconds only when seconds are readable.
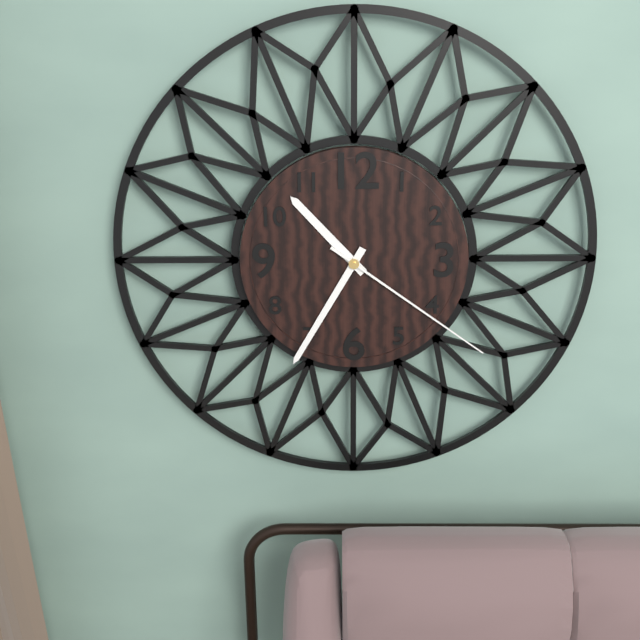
10:35:21
